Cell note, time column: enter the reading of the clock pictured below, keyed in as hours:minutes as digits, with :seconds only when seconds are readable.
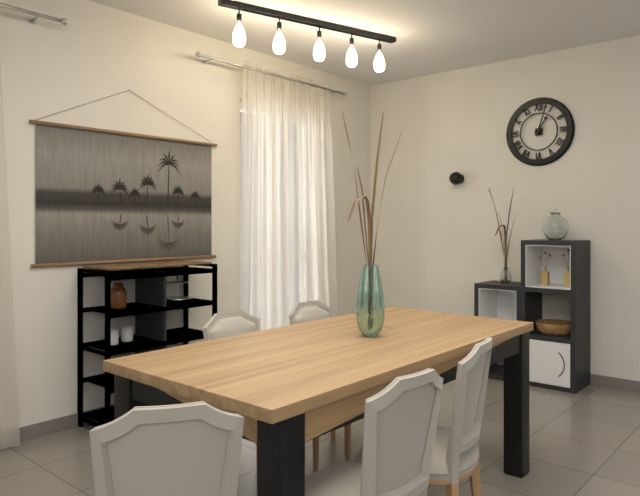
1:03
